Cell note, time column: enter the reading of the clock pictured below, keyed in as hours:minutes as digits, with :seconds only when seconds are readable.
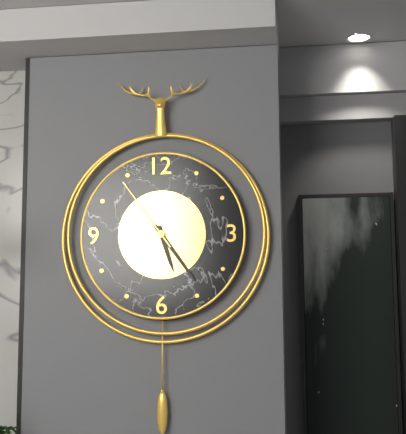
5:24:54
